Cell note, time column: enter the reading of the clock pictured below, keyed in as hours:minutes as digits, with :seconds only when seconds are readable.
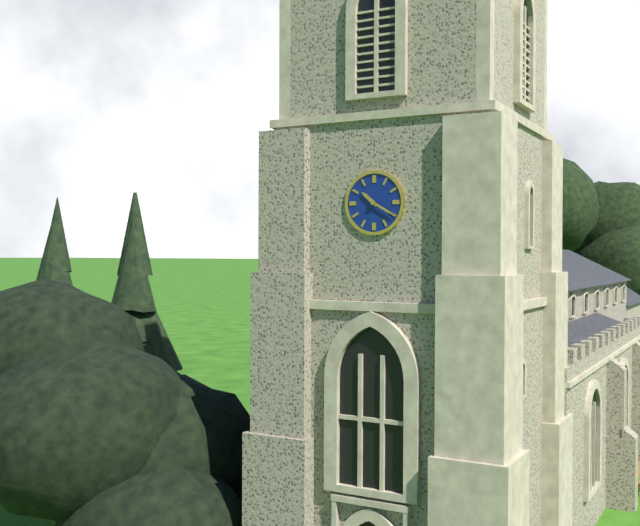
10:20
